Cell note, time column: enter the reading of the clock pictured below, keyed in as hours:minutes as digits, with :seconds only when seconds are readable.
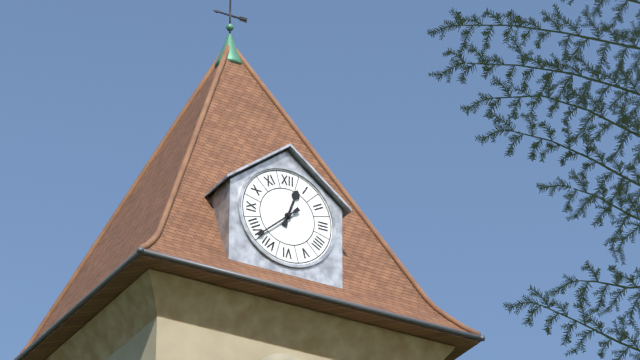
12:38
